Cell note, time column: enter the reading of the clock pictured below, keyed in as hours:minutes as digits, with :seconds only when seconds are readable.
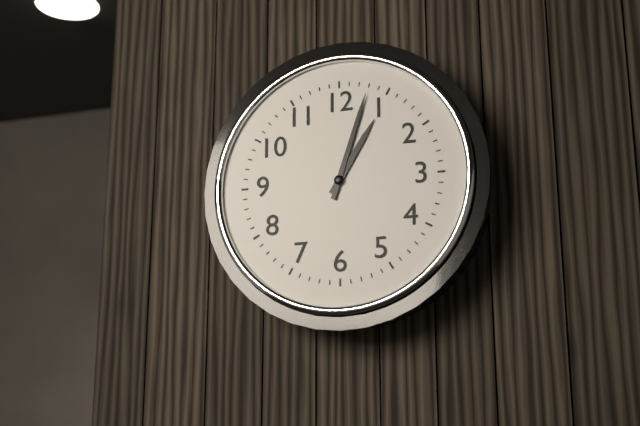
1:03
